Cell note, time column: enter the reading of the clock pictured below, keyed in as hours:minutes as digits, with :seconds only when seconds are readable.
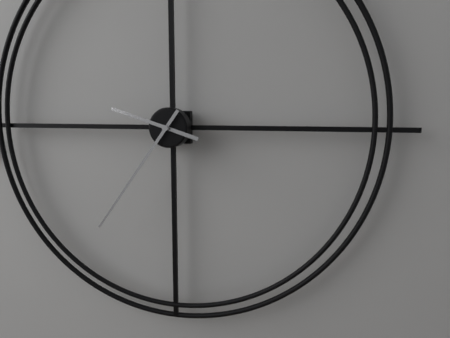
9:36
